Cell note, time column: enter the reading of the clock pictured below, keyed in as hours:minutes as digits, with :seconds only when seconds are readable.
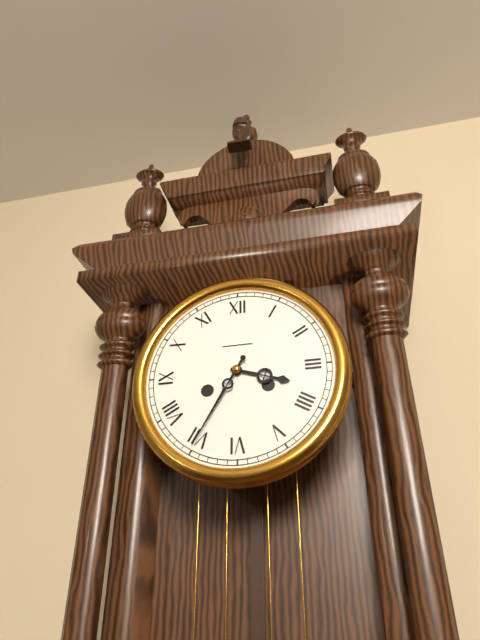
3:35
